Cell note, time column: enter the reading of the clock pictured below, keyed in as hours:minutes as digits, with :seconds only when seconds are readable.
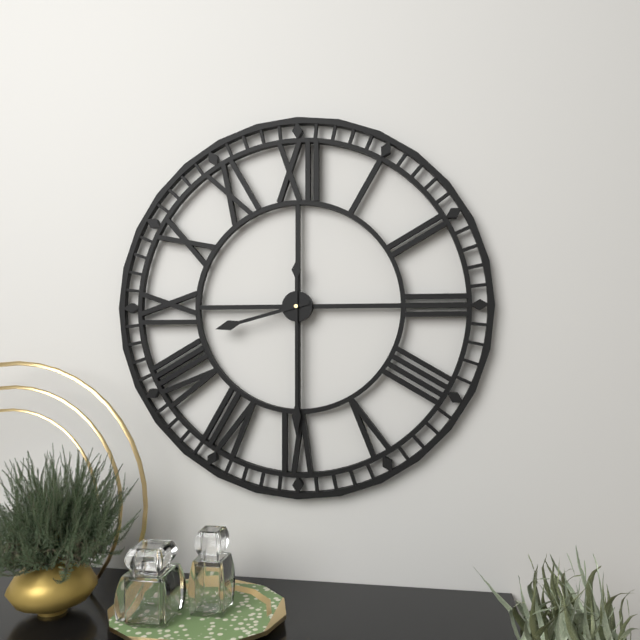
8:30
